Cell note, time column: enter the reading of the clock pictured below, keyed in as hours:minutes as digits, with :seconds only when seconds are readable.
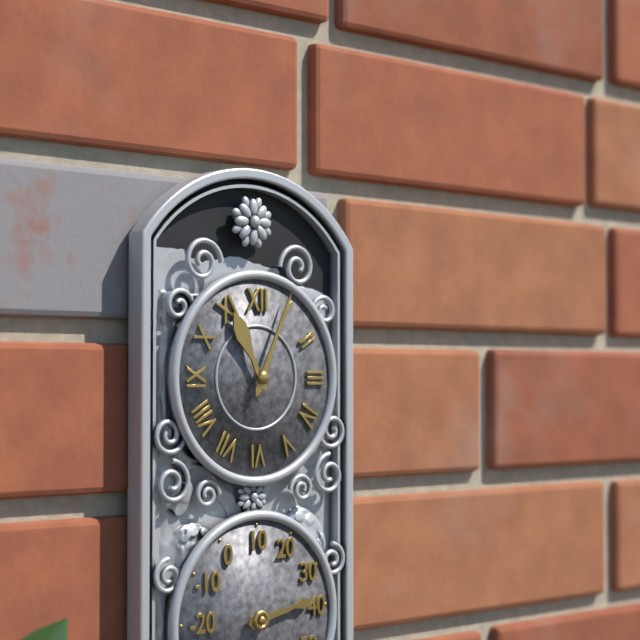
11:04
